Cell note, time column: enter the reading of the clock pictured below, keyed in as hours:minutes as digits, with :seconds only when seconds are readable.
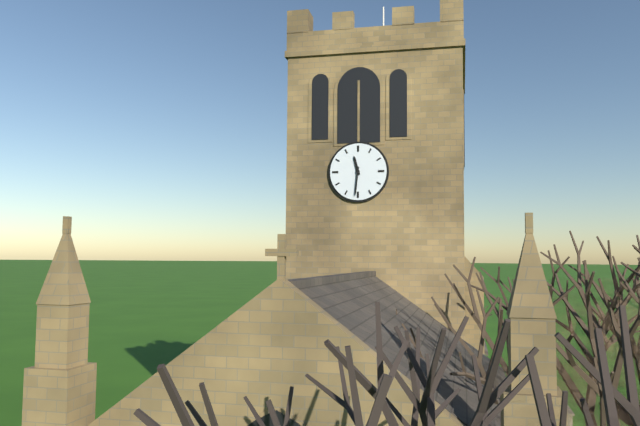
11:31
